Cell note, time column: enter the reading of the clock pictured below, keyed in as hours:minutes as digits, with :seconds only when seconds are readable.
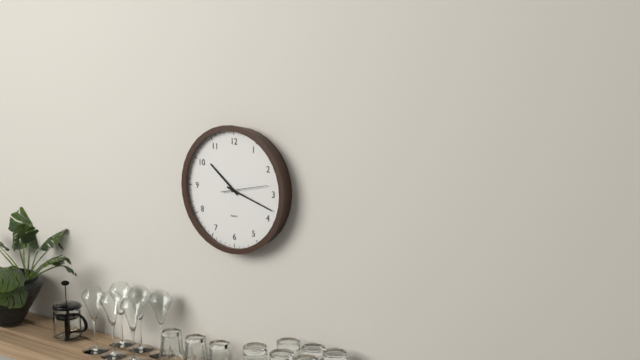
10:18
